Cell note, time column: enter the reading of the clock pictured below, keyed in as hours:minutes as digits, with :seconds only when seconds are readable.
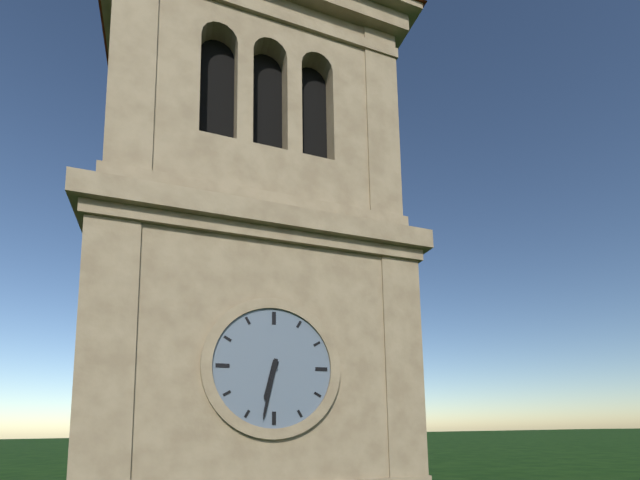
6:32
